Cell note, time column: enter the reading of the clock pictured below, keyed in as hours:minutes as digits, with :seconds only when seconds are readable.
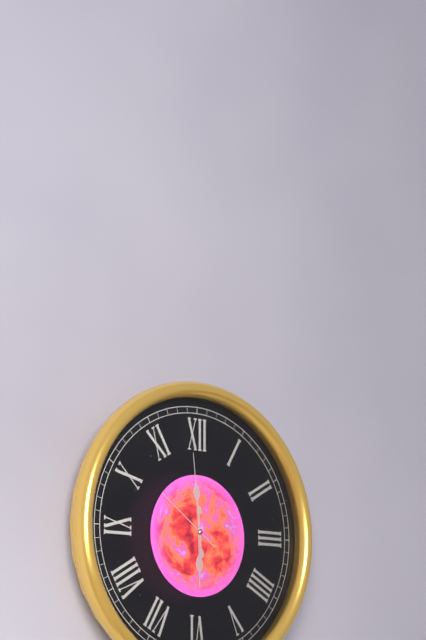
5:59:51
